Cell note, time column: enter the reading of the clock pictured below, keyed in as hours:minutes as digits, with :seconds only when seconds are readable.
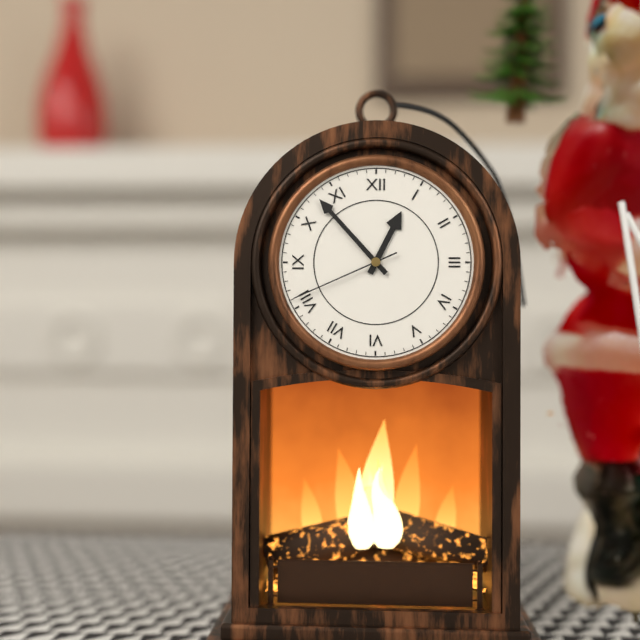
12:53:41
